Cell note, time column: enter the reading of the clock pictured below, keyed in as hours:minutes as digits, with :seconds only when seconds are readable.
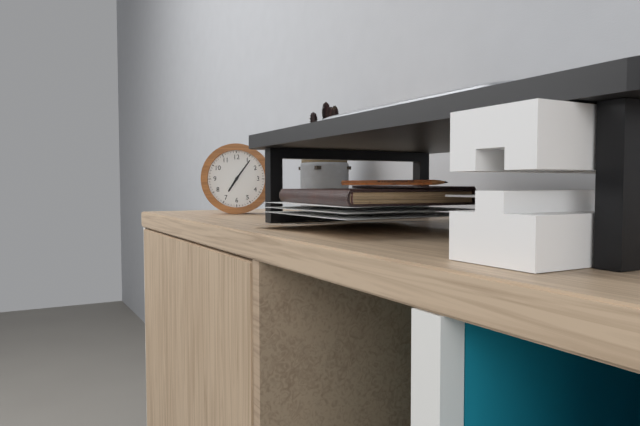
7:06
